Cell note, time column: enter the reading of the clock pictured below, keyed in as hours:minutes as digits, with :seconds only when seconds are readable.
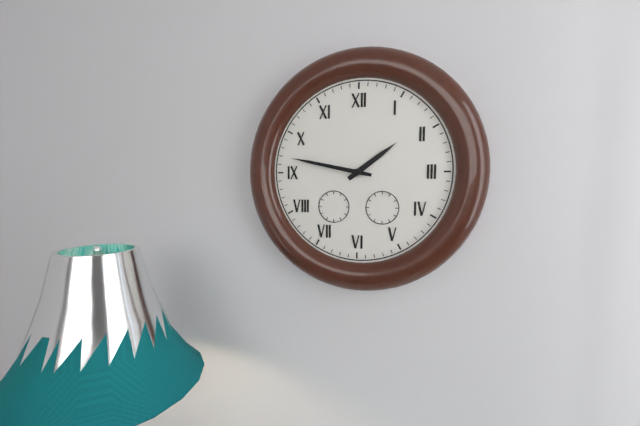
1:47
